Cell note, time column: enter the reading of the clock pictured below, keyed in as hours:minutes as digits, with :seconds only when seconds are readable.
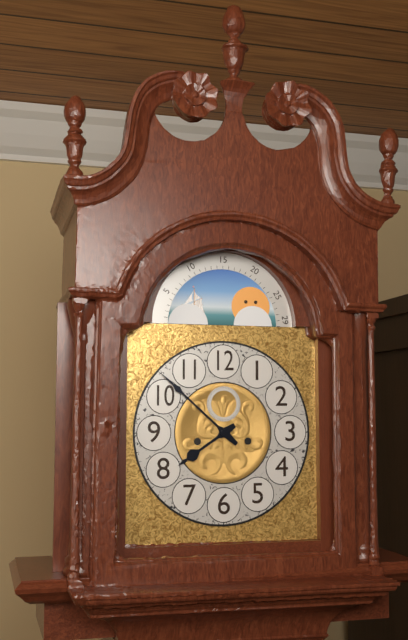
7:52
